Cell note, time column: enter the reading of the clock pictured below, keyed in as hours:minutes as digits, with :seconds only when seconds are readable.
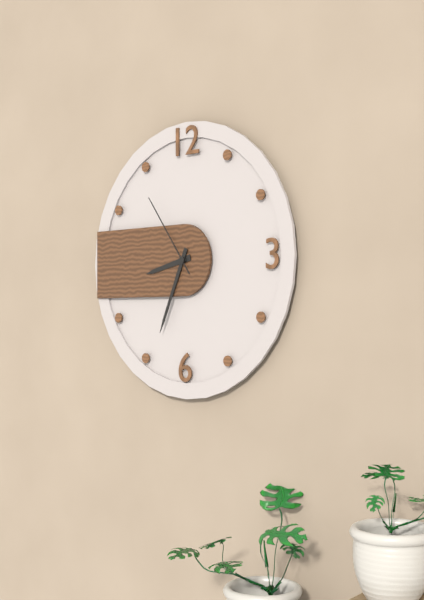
8:34:54
